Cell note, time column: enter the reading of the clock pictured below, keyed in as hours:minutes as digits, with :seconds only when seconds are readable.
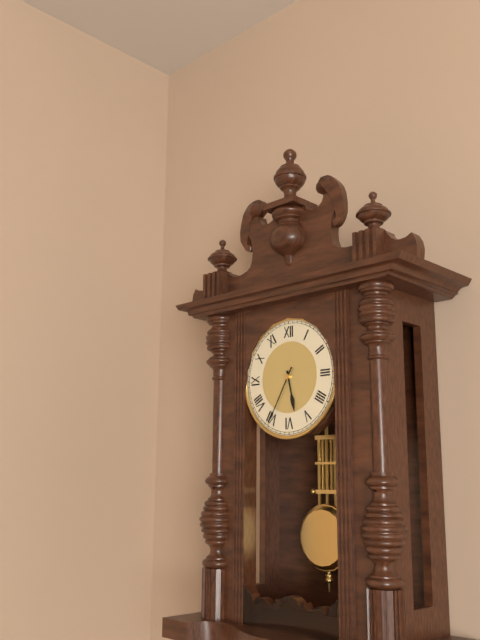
5:35
